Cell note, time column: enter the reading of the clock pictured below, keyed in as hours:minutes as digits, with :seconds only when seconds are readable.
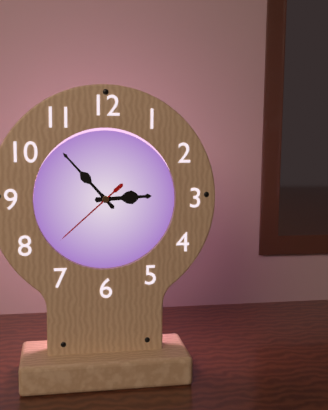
2:53:38
